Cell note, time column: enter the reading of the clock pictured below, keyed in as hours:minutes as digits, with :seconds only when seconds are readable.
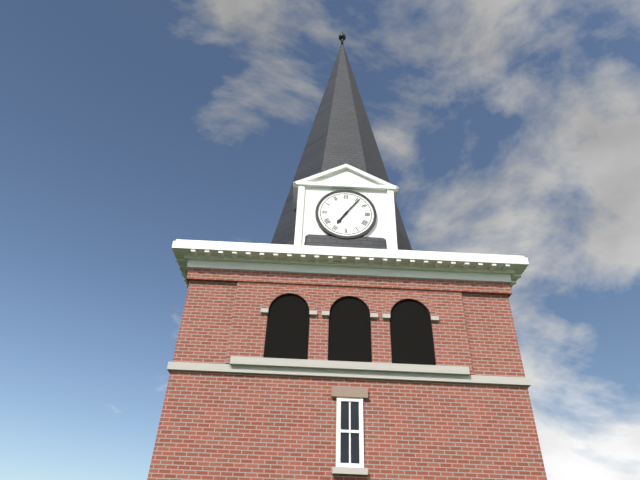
7:06
